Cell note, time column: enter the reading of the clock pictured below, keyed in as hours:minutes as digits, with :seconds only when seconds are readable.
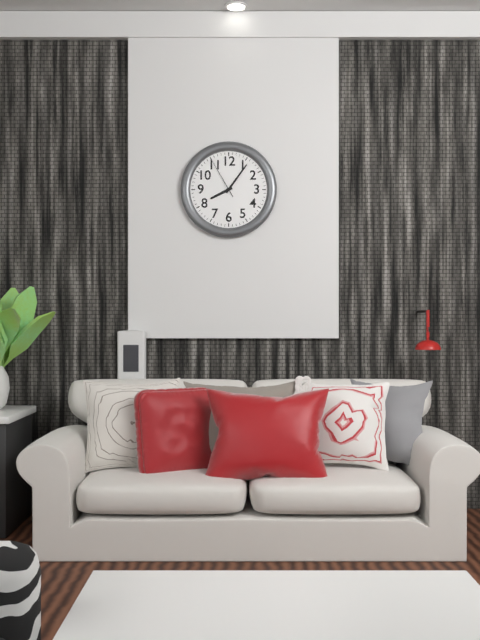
8:06
